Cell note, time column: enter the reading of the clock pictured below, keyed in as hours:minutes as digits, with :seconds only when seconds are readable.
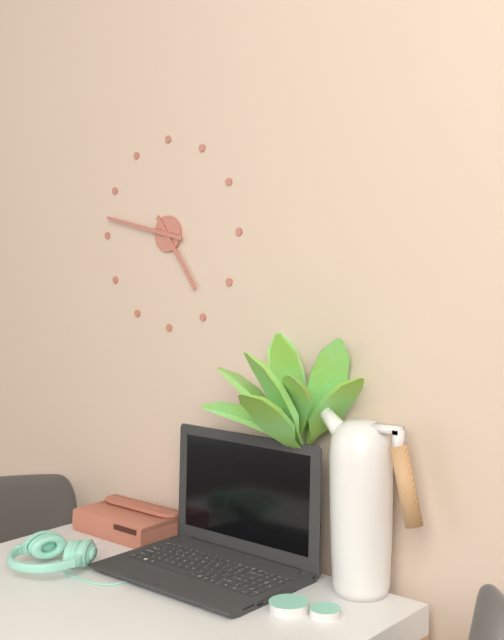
4:47
